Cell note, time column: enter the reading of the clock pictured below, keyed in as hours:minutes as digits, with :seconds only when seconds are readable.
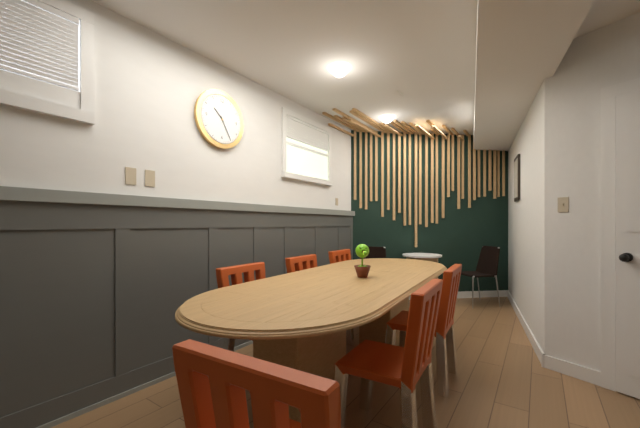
10:25
